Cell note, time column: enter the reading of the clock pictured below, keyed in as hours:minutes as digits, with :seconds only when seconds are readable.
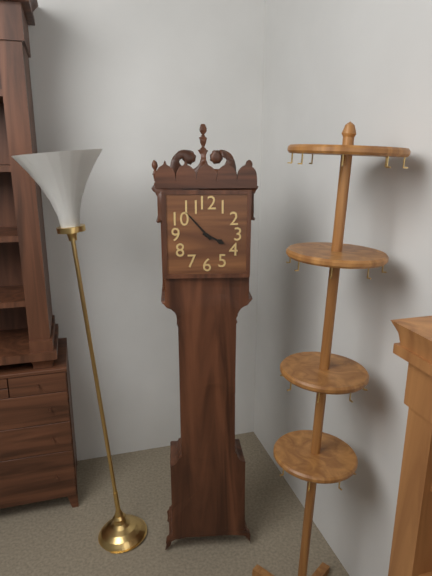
3:53
